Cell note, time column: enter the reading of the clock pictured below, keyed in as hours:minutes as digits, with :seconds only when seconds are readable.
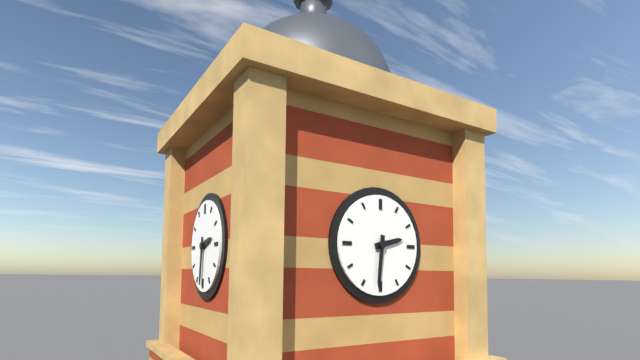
2:31
